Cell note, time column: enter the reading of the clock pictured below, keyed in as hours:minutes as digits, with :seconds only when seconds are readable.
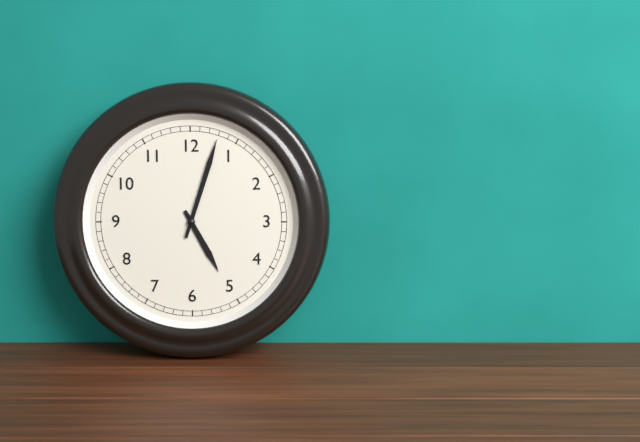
5:03
